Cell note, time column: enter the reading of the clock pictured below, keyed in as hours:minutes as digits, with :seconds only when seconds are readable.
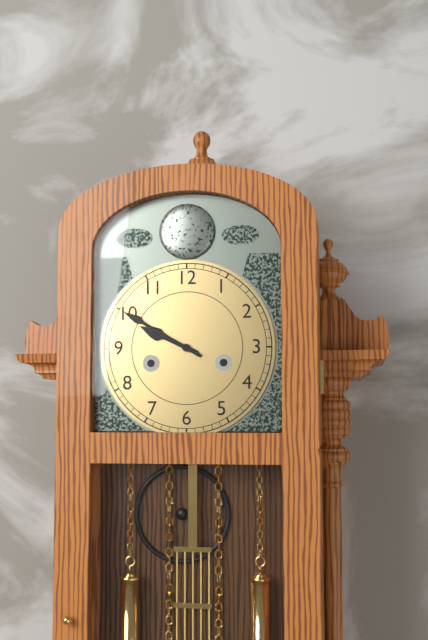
9:50
